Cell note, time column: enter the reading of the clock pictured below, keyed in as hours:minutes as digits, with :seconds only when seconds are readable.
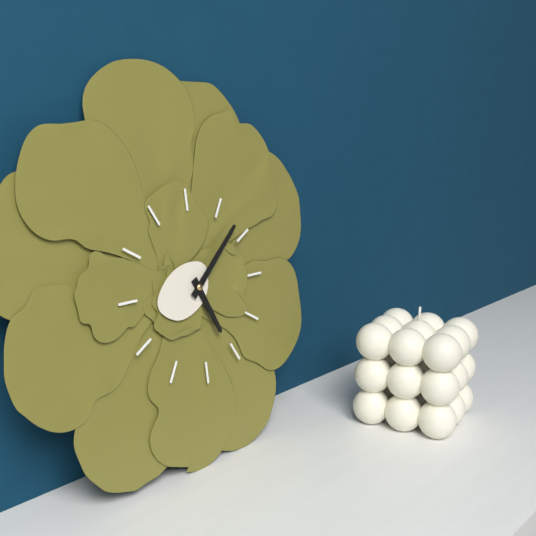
5:08
